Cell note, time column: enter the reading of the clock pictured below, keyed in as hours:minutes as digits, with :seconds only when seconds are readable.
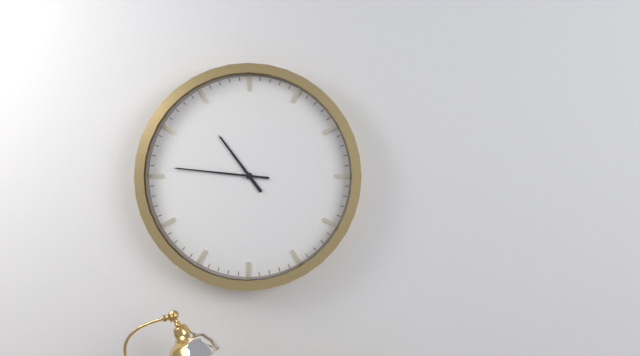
10:46
